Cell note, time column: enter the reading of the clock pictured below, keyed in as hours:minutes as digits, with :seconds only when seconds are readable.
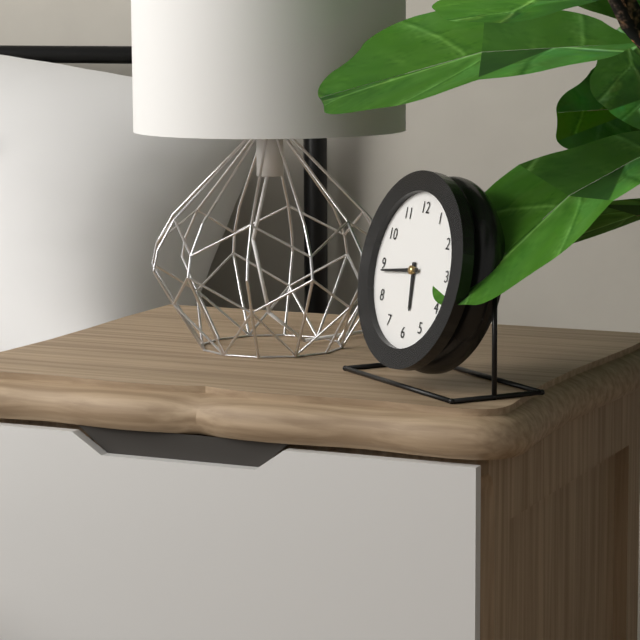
5:44
